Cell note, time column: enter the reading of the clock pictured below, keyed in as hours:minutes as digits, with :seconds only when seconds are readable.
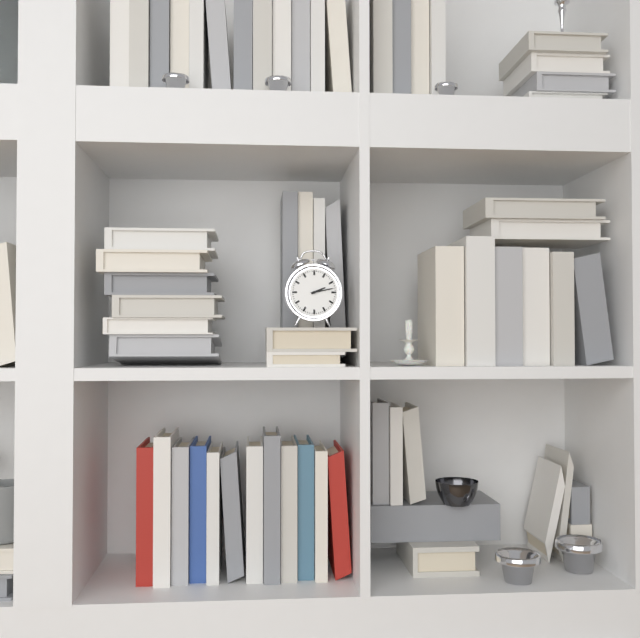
2:13
